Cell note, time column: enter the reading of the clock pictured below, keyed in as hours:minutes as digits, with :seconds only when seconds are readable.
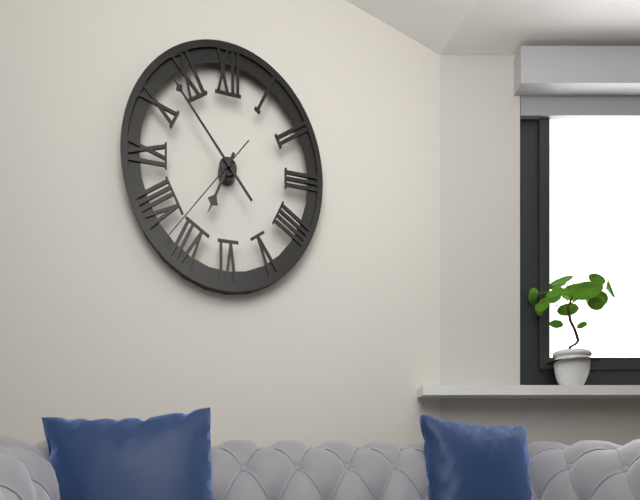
6:53:37
